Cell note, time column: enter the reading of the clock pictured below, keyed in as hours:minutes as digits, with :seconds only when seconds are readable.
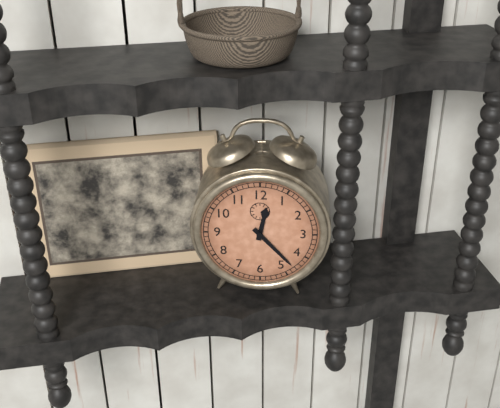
12:23
